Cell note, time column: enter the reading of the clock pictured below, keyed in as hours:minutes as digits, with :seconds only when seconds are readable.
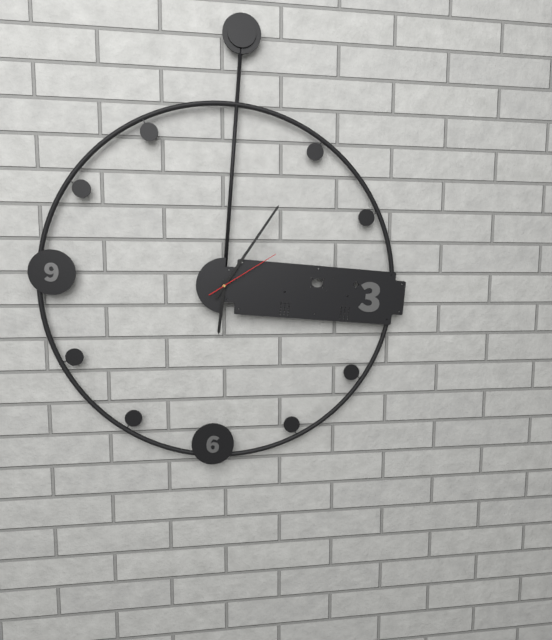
6:05:09
